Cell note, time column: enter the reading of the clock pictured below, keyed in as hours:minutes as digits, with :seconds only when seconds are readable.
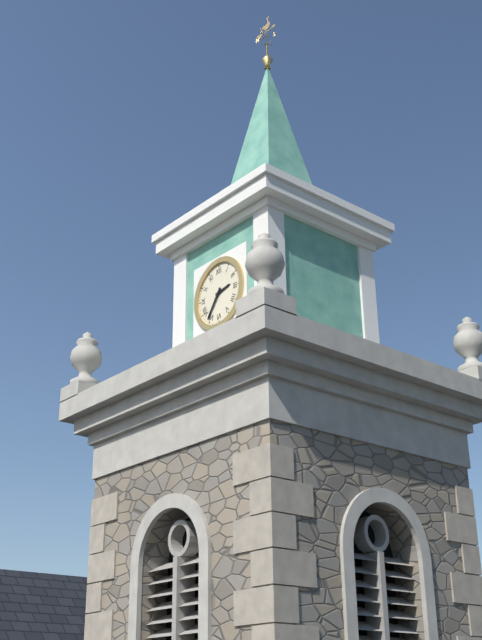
2:36
